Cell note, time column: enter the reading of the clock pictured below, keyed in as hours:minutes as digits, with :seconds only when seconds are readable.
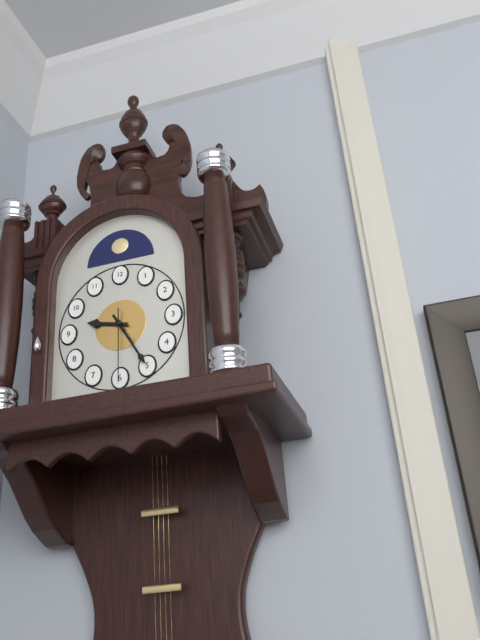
9:25:30
